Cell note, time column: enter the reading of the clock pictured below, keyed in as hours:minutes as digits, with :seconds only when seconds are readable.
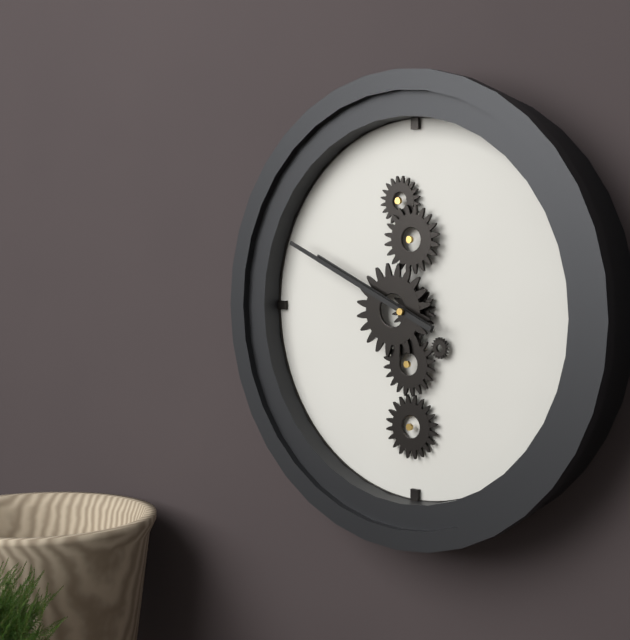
9:49
